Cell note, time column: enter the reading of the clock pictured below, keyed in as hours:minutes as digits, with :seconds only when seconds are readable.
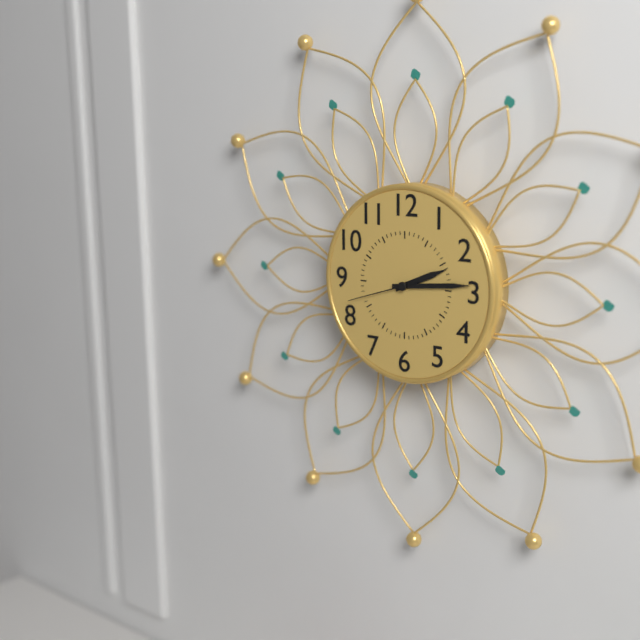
2:14:42
